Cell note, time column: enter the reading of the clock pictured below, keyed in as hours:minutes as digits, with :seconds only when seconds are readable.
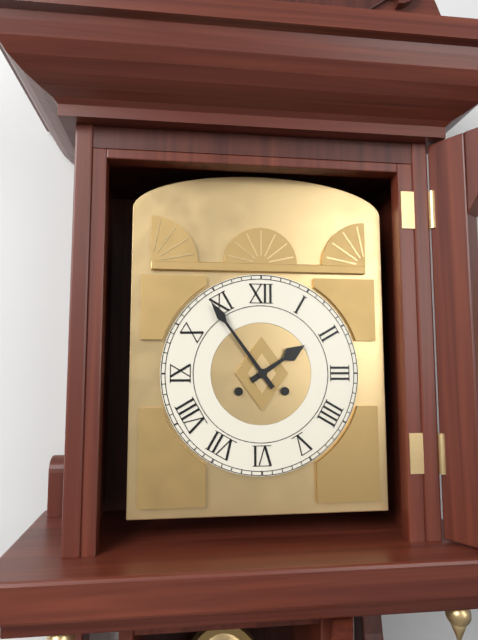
1:54
